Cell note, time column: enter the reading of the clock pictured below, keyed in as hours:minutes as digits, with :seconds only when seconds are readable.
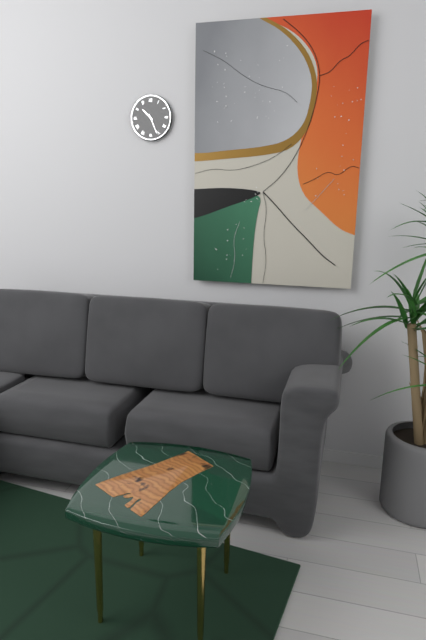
10:26
